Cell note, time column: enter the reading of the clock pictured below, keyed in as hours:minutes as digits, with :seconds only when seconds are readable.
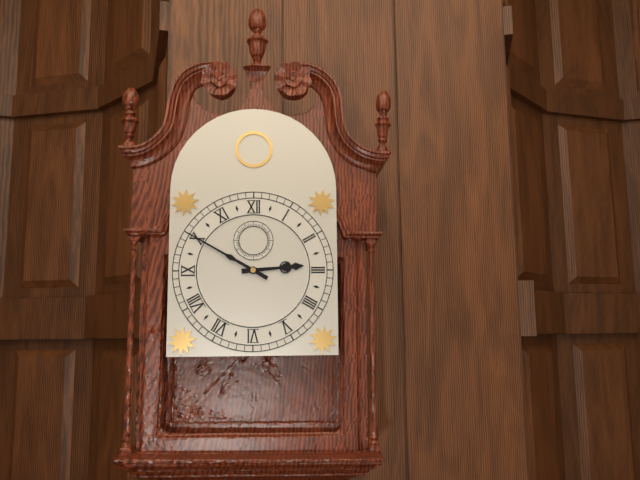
2:50
